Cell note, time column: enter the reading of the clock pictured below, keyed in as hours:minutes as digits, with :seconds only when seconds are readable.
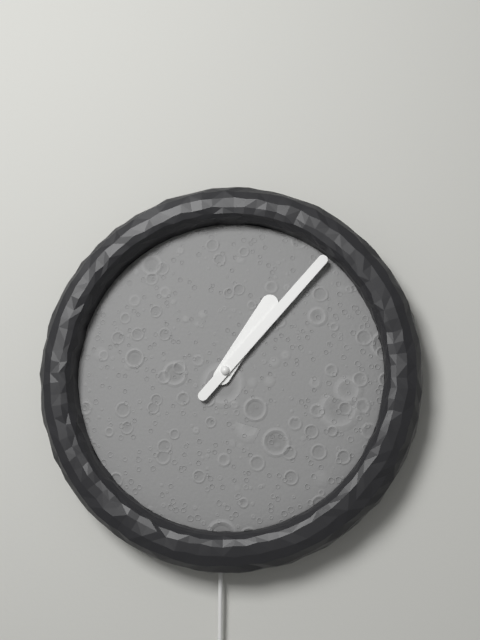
1:07
